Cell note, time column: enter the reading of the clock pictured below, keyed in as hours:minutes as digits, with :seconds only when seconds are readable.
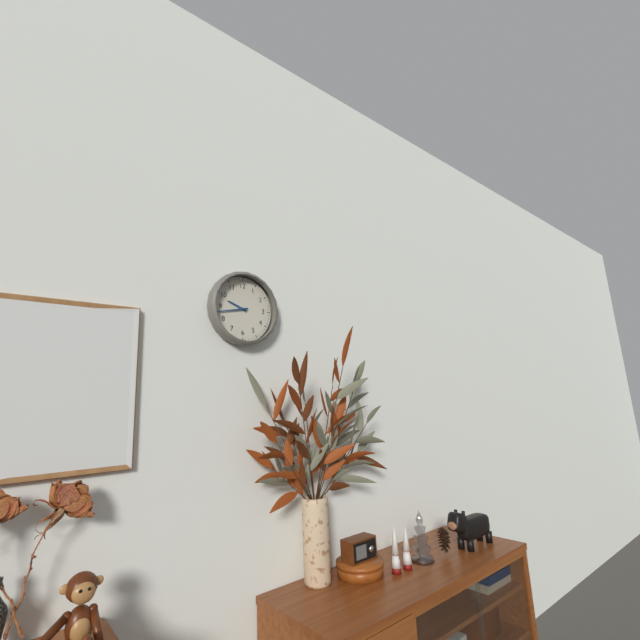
9:43
